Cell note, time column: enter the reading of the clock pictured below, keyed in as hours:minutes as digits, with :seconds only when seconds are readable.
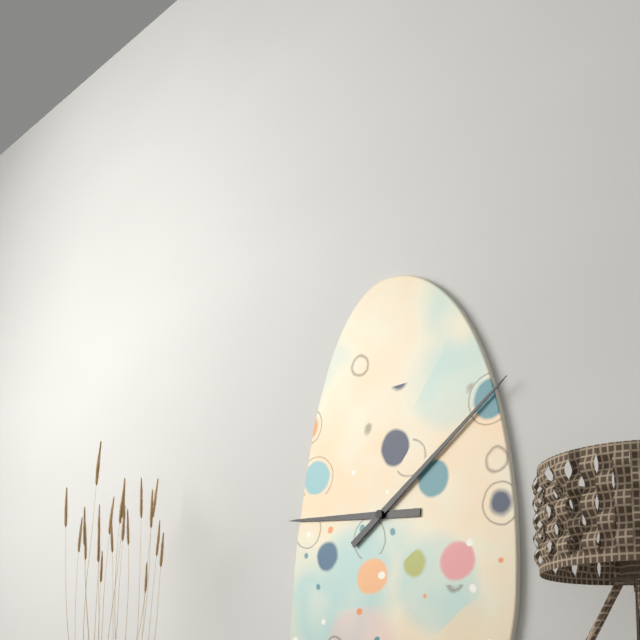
9:09
